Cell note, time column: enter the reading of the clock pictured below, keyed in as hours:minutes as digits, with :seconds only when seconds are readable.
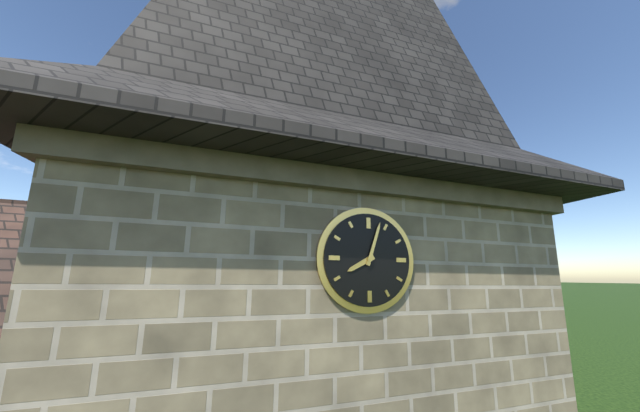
8:03
